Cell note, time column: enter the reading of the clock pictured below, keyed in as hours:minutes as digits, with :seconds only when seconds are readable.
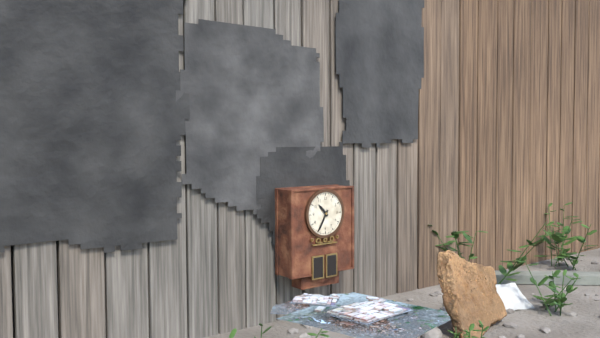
10:35
